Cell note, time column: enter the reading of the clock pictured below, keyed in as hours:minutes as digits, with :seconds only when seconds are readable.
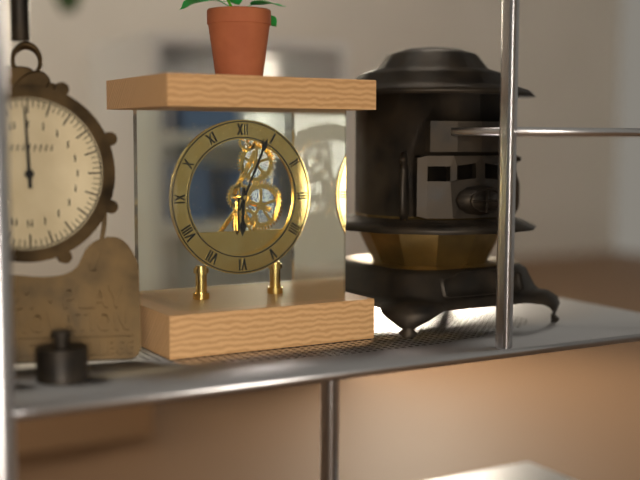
6:04
